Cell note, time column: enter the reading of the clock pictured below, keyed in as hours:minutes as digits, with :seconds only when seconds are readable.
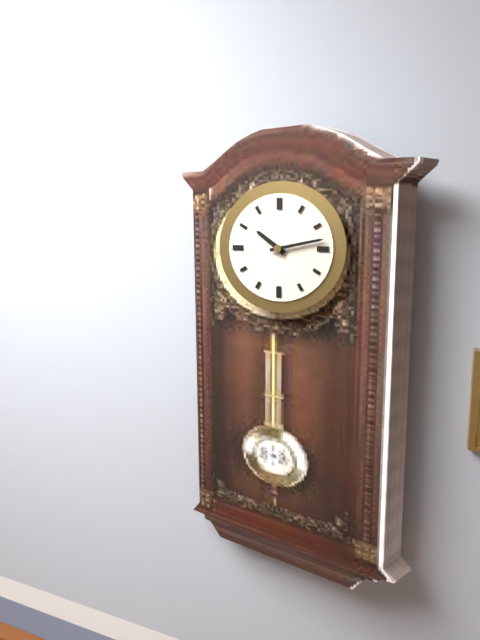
10:13
